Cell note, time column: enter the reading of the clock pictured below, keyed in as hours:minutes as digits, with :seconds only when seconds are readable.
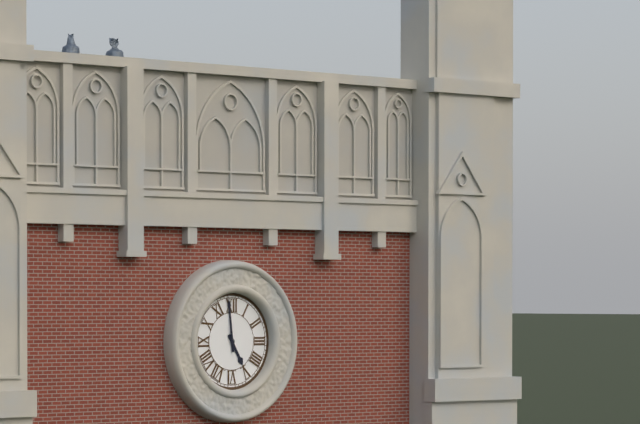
4:59
